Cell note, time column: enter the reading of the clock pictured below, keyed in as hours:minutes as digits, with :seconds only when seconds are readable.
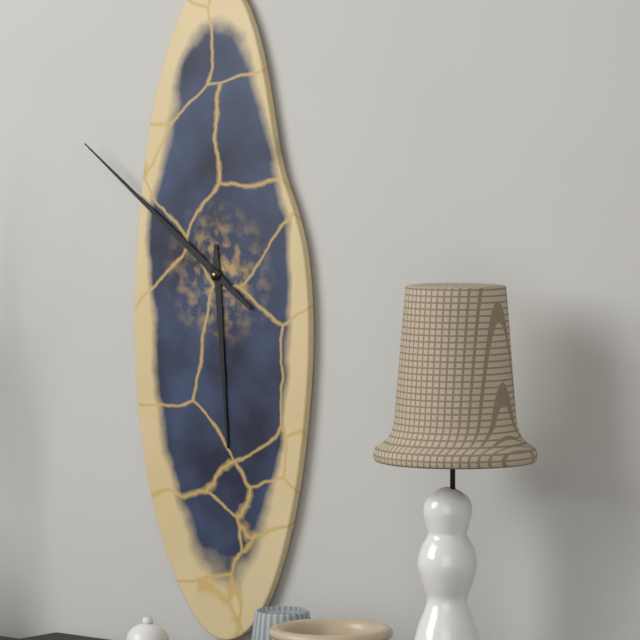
5:51
